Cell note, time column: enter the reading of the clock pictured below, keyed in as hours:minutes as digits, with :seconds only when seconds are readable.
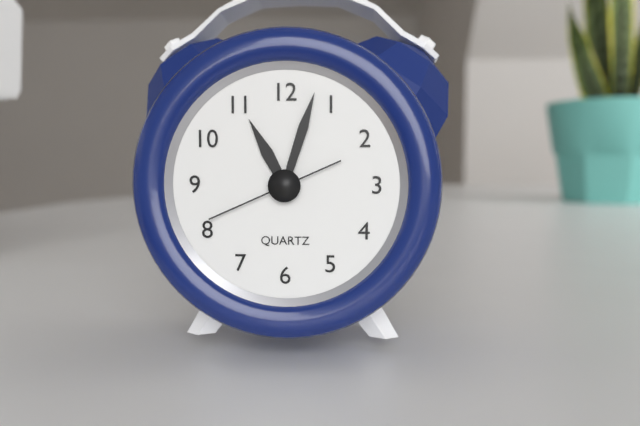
11:03:41
